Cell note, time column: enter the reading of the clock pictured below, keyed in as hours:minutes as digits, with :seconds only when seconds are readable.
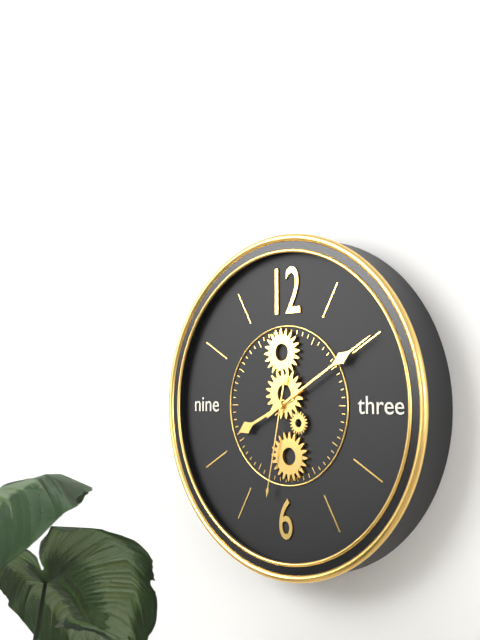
8:10:32
